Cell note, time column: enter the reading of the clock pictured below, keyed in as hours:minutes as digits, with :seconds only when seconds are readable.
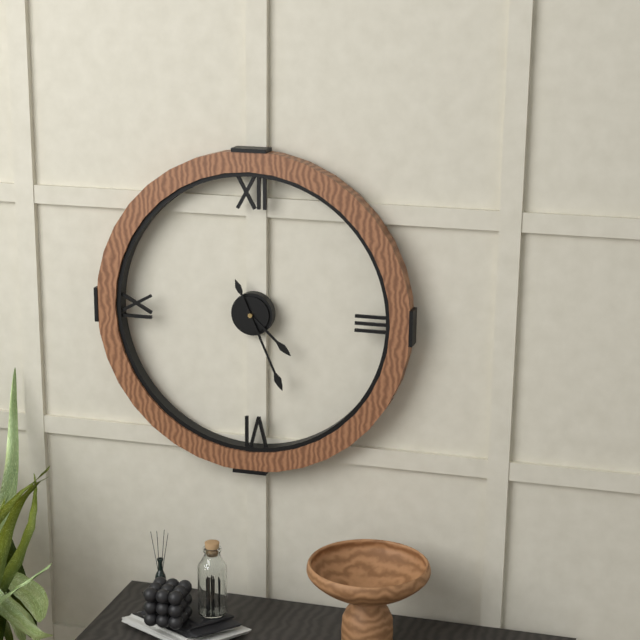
4:26
